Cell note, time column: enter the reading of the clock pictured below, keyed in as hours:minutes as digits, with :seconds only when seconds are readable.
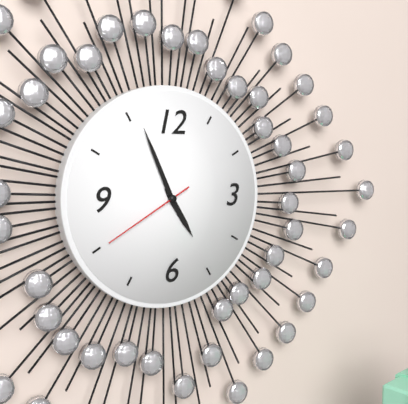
4:56:40
